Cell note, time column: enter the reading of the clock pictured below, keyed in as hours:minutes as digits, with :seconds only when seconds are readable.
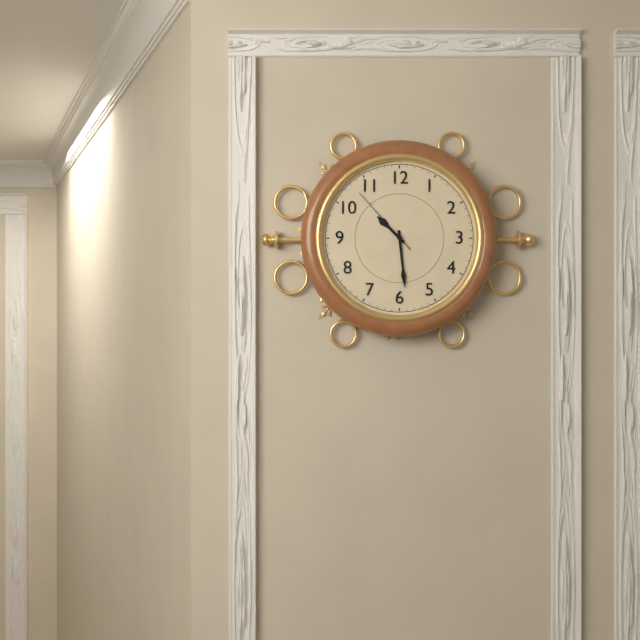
10:29:53
